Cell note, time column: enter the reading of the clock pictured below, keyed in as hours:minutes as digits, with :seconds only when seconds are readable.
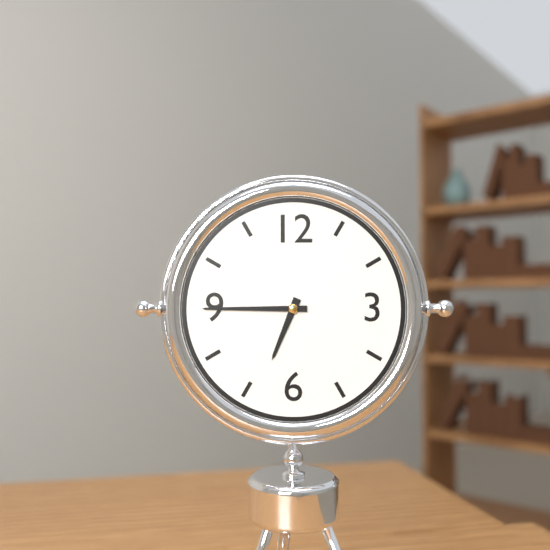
6:45
